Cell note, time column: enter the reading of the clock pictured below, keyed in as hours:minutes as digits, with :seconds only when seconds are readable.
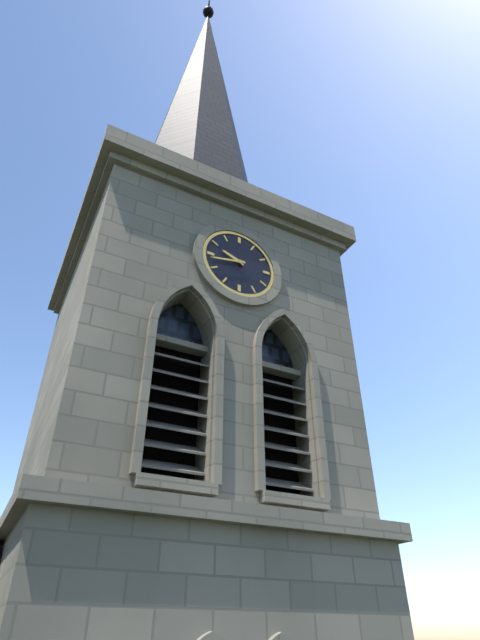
9:43
